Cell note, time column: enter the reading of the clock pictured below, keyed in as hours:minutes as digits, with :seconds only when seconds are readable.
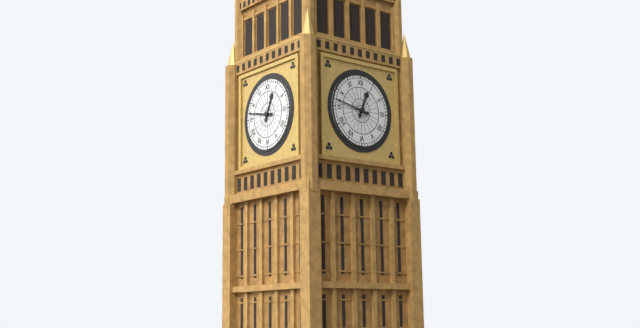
12:47
